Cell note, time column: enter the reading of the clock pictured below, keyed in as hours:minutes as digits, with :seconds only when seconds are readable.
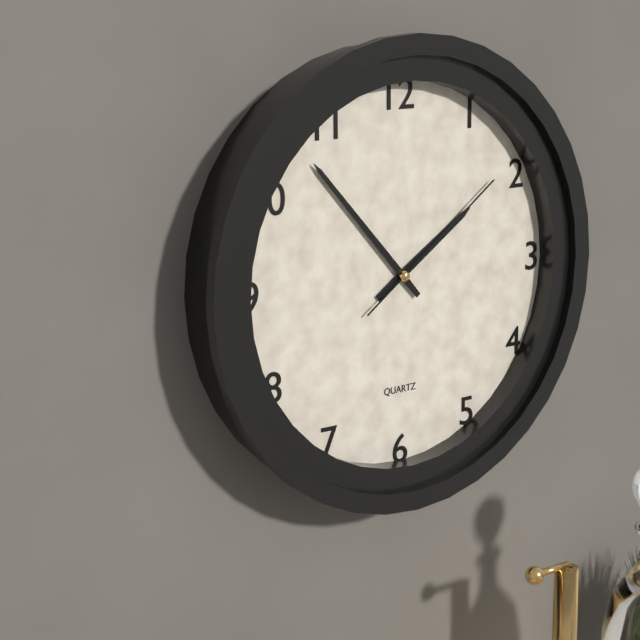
1:53:09
